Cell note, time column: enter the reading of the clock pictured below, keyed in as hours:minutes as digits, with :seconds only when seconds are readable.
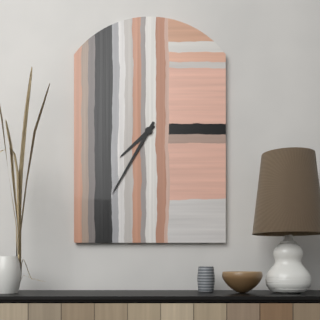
7:35
